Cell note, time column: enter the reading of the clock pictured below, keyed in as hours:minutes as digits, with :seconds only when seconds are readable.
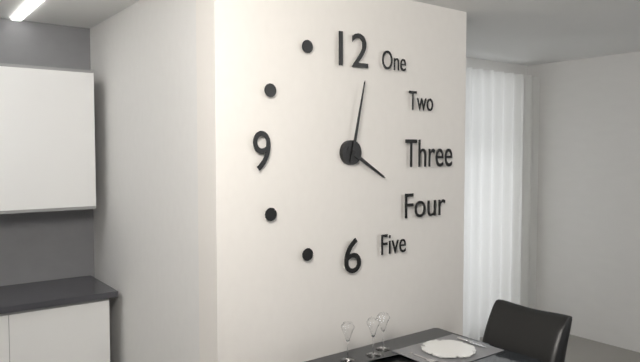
4:02
